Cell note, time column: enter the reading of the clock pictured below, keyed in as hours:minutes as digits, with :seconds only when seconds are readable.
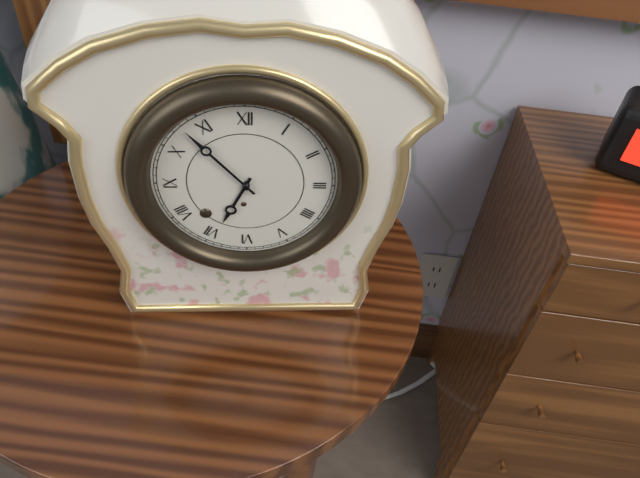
6:53
